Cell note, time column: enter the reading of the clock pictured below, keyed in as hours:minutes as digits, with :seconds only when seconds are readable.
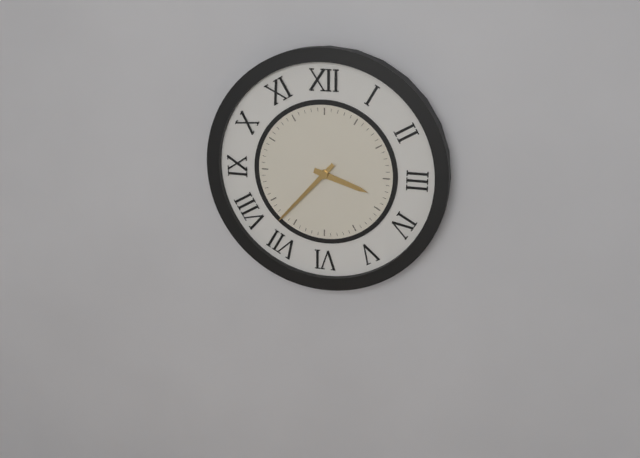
3:37
